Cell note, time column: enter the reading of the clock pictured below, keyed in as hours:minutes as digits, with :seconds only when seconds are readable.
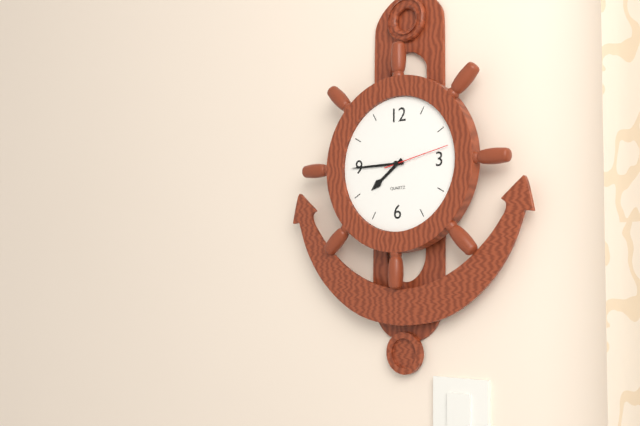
7:45:13
